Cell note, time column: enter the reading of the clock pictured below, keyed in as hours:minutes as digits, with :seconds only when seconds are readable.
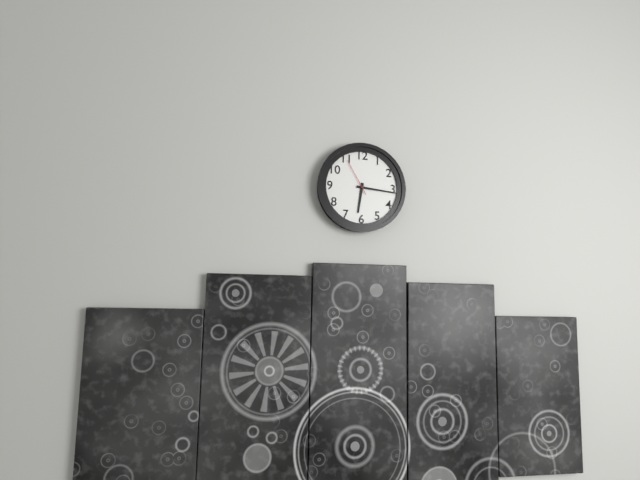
6:16
